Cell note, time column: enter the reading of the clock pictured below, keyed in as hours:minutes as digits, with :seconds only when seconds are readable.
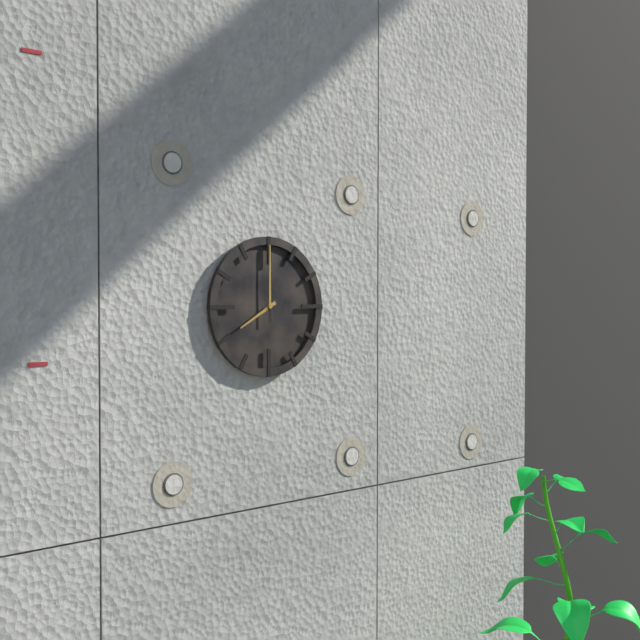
8:00
